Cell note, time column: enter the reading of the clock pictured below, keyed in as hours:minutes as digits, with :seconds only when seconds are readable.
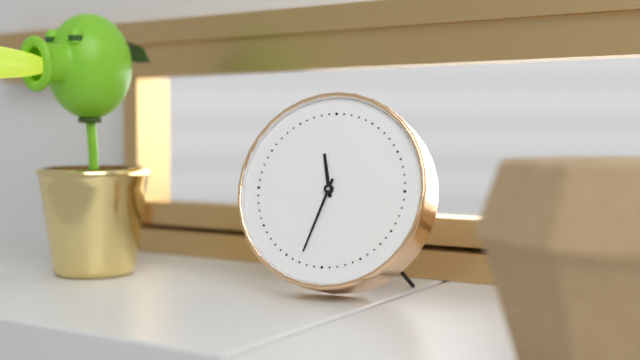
11:33
